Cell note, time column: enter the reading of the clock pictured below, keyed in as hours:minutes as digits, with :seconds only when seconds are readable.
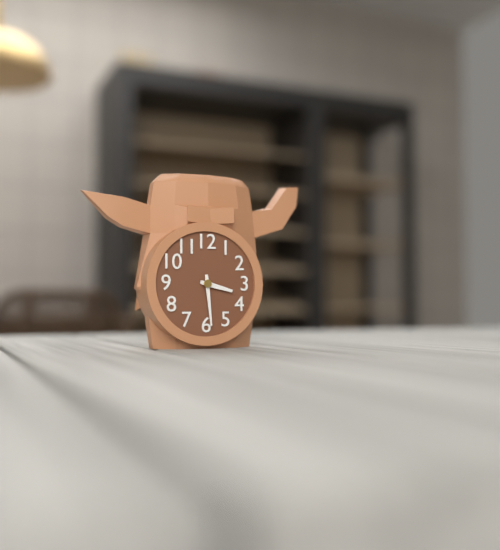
3:29
